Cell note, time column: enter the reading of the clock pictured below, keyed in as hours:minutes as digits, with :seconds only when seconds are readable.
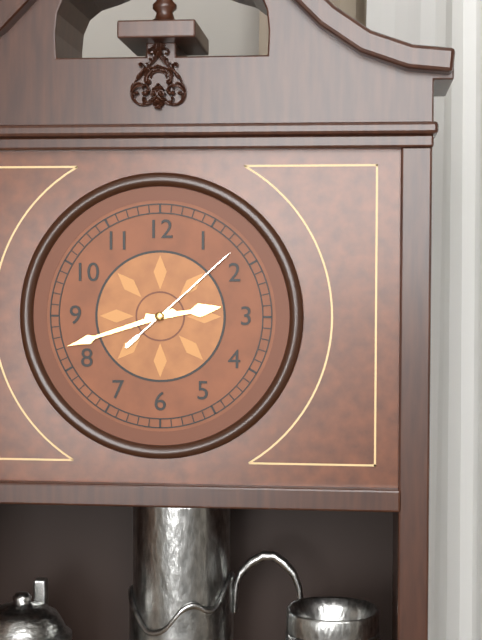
2:42:08
